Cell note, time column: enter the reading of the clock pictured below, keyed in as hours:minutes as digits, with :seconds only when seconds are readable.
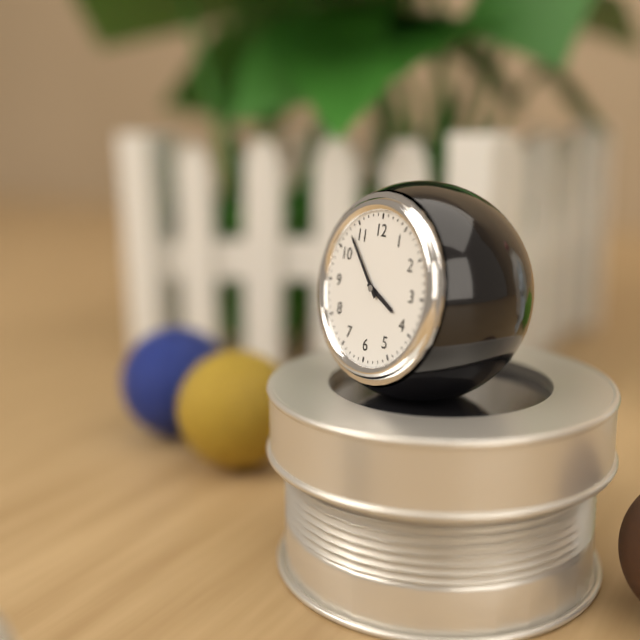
3:53
